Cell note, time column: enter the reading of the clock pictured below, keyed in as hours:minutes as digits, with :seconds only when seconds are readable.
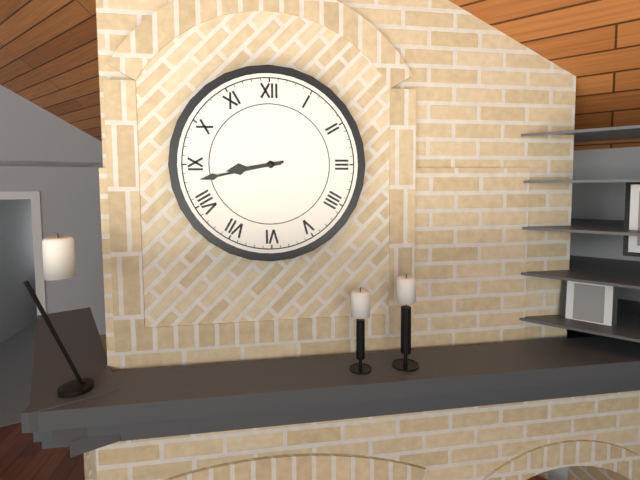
8:43
